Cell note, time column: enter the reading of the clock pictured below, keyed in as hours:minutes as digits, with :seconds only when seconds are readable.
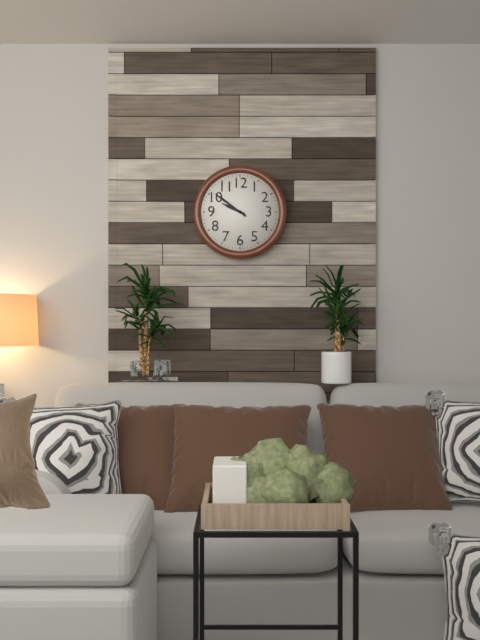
9:51
